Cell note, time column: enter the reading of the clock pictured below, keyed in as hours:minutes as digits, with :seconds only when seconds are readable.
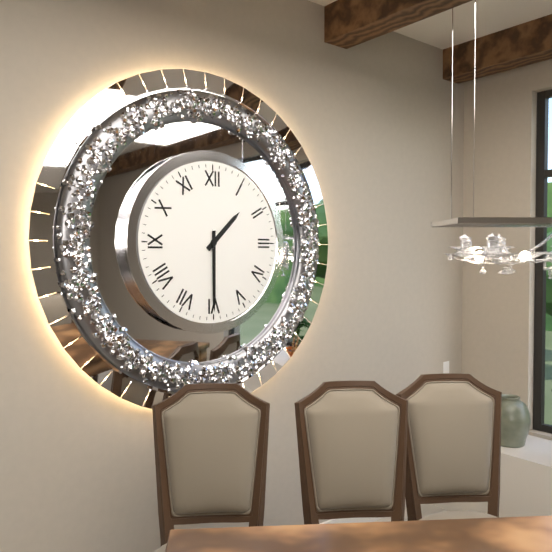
1:30
